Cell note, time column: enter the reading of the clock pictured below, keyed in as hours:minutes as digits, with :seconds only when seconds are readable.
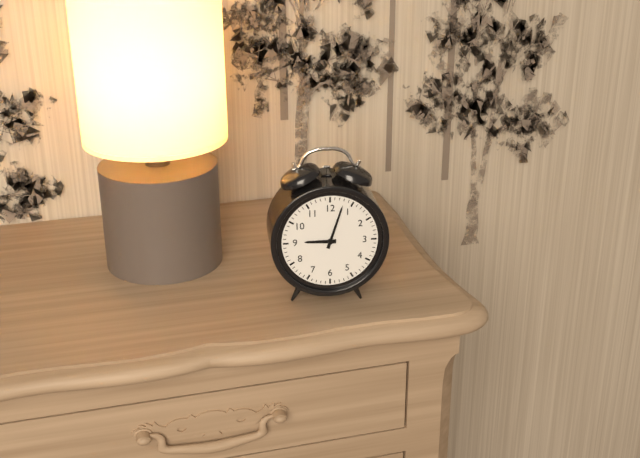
9:03
